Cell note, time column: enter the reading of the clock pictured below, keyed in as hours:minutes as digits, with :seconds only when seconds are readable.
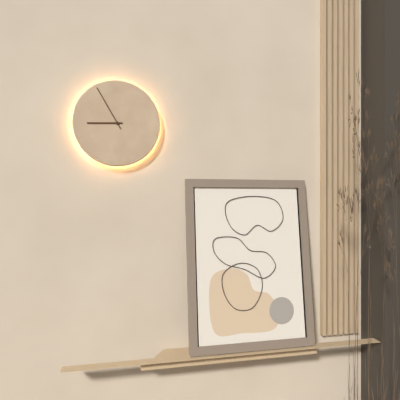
8:55
